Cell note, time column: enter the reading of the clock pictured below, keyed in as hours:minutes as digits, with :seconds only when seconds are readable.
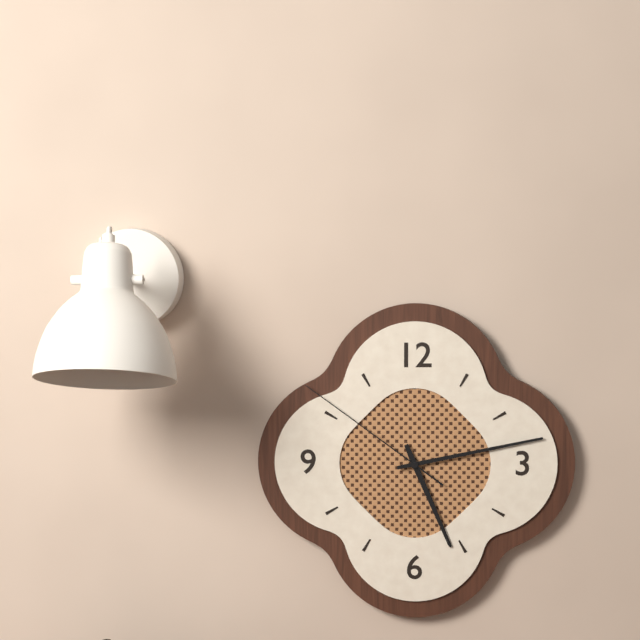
5:13:51
